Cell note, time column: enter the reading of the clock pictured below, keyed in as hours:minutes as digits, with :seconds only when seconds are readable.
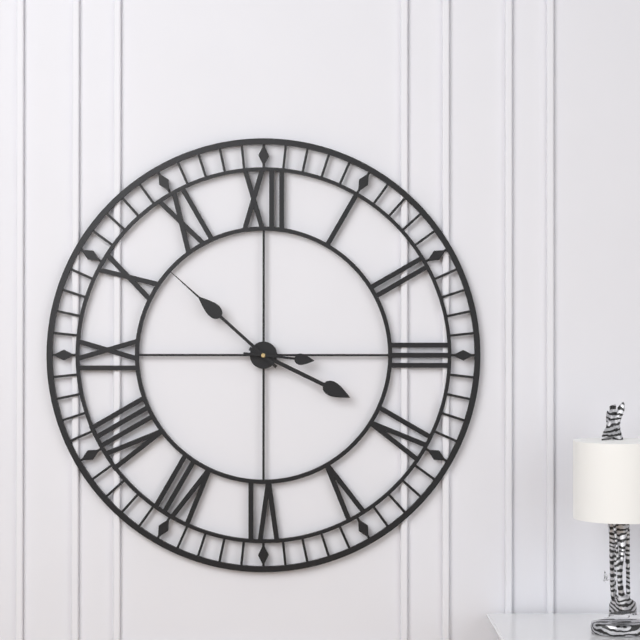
3:52:16
